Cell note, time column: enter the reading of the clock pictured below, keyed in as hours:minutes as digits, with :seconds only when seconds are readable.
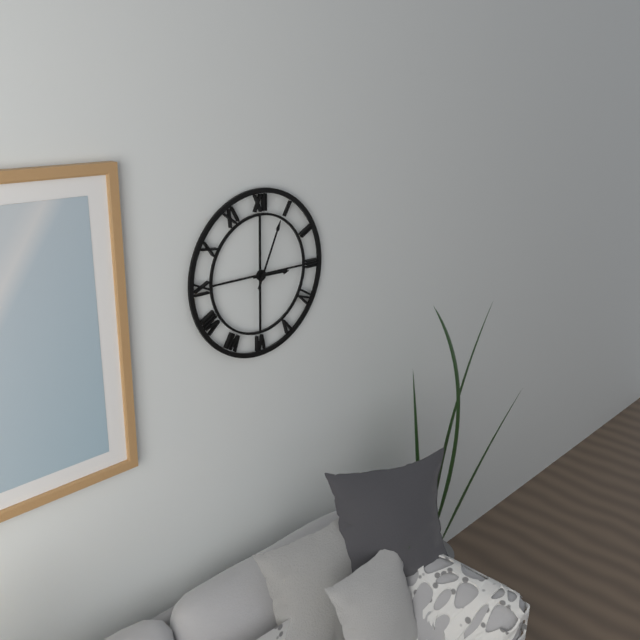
3:04
